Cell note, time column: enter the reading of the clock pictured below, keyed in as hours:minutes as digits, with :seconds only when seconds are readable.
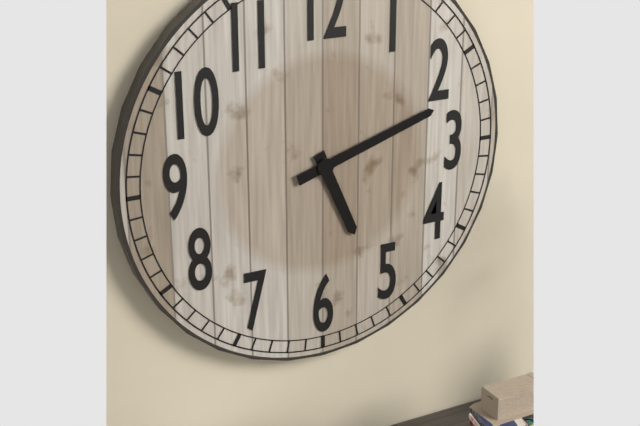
5:12
